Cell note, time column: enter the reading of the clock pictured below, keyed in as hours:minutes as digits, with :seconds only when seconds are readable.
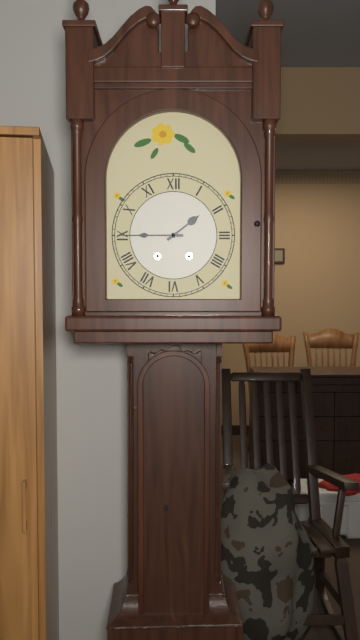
1:45
